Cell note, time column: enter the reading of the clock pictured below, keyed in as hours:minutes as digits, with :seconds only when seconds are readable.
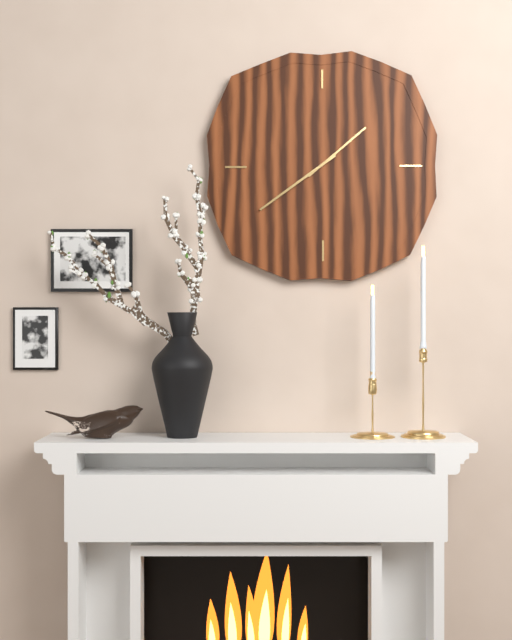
1:39
